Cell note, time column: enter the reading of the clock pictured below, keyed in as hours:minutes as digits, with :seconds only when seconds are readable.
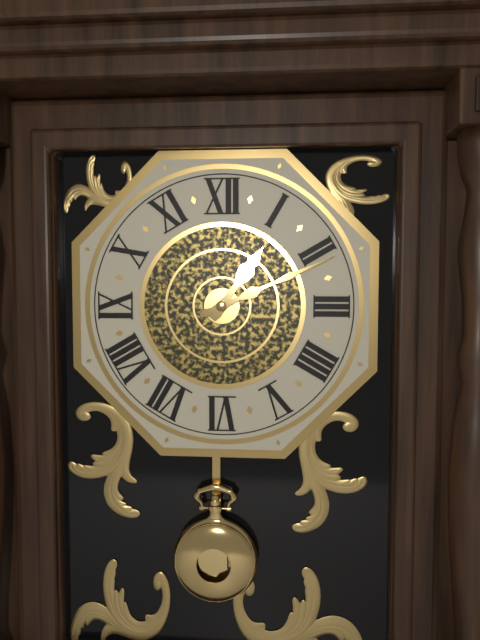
1:11
